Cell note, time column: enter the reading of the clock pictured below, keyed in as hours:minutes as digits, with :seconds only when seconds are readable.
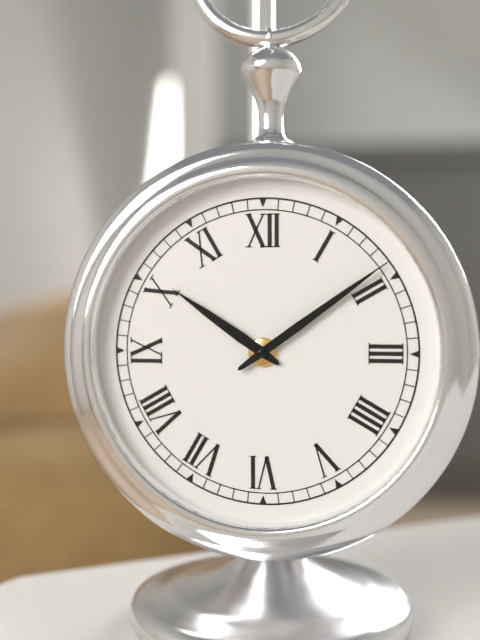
10:09
